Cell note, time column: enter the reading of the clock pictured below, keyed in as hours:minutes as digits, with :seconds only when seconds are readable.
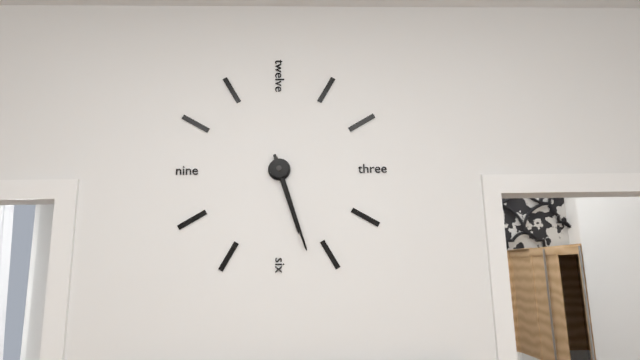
5:27
